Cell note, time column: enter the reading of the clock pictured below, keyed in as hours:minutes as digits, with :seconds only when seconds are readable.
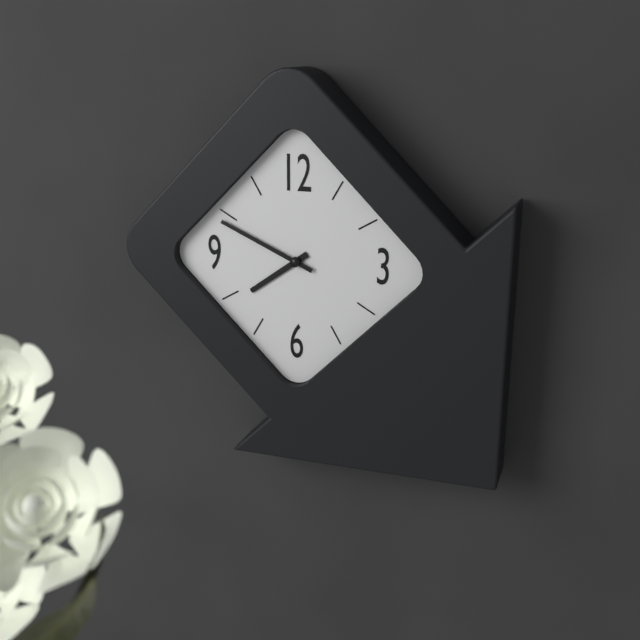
7:49
